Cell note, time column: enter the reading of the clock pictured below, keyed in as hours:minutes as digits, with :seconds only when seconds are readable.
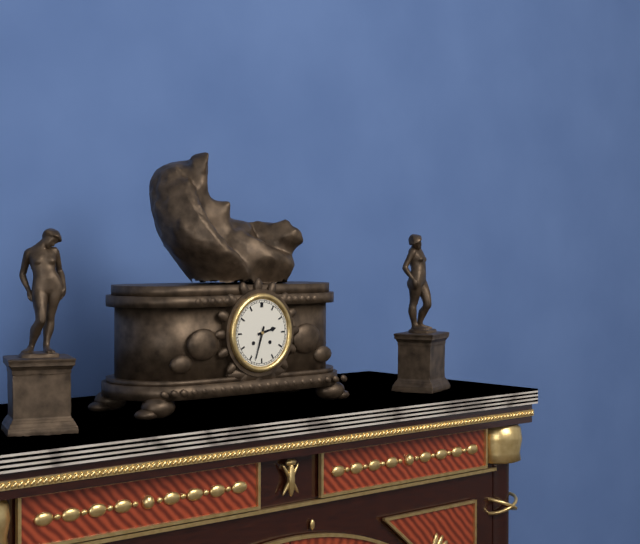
2:33
